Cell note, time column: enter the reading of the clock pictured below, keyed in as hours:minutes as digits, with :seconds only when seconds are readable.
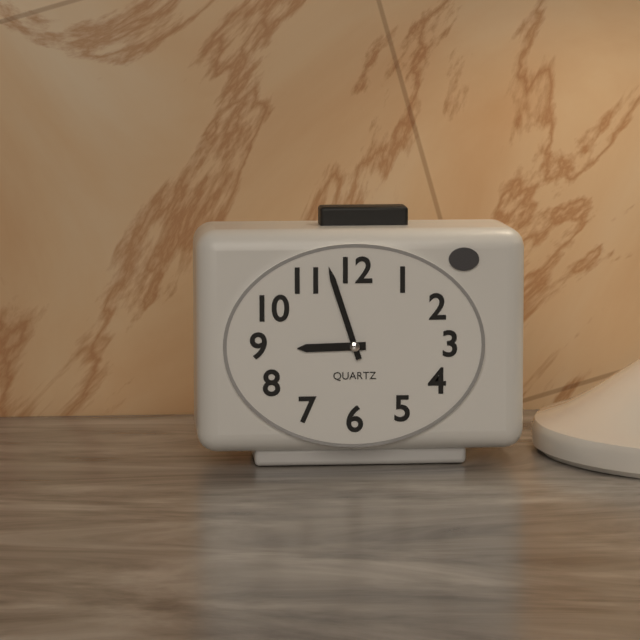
8:57
